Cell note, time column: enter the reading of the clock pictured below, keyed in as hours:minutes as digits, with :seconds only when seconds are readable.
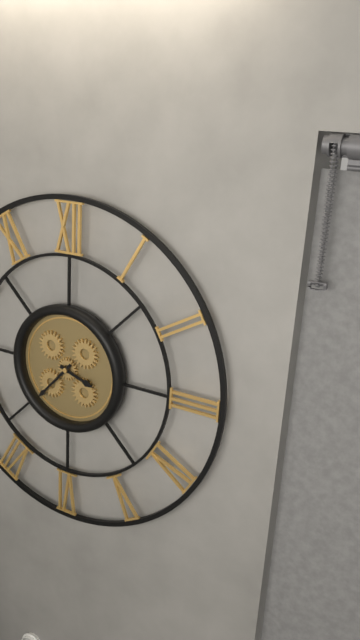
3:37
